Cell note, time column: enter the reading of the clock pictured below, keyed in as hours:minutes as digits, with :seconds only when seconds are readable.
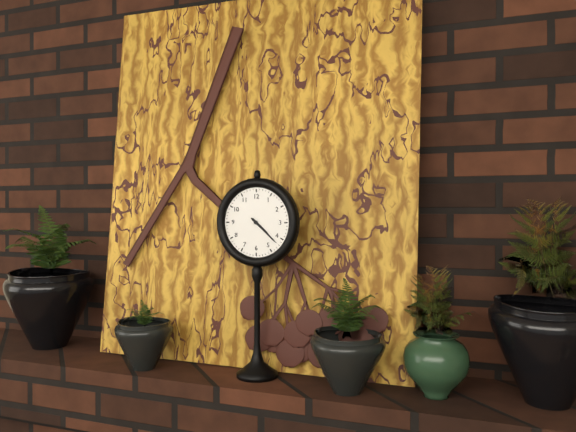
4:22
